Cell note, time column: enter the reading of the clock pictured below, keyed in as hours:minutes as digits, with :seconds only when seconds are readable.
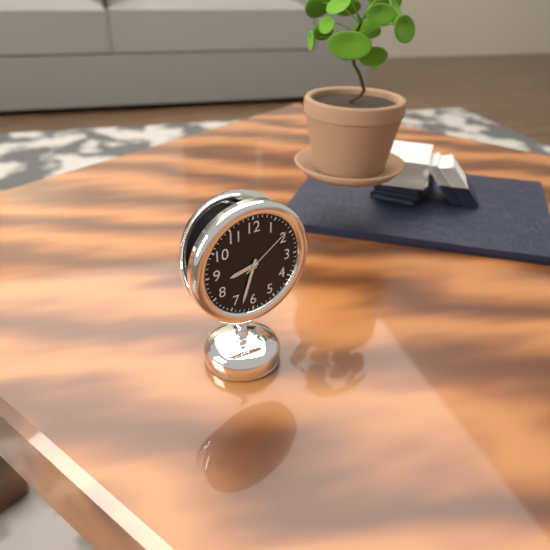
8:33:09
